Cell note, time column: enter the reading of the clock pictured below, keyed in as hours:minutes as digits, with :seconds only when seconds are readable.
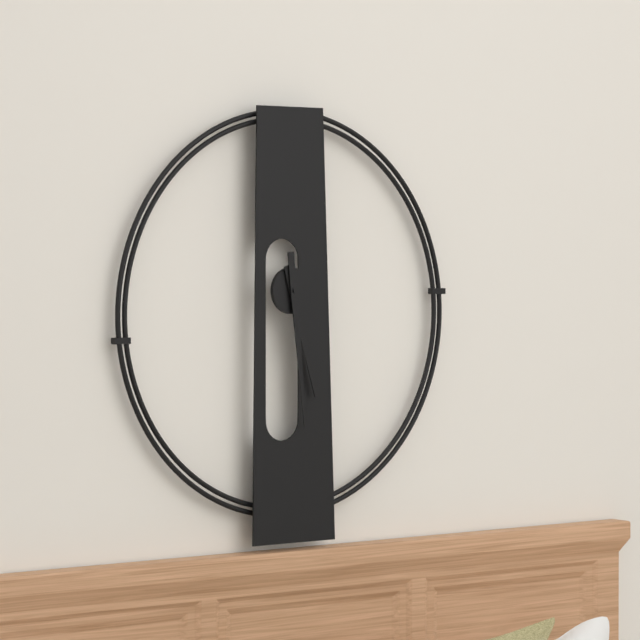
5:29
